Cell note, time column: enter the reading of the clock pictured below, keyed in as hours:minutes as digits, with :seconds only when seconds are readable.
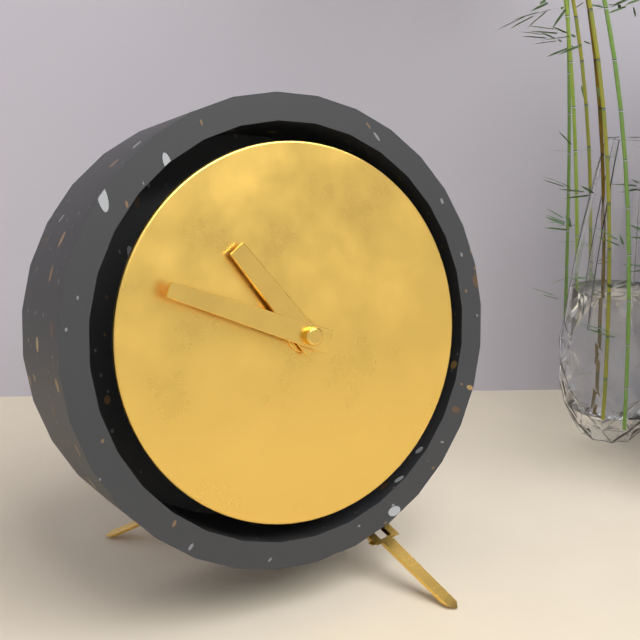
10:49
